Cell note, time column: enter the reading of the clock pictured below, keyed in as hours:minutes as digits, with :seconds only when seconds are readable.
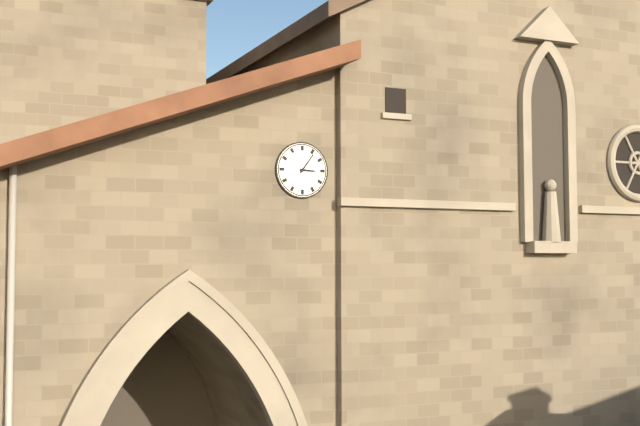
3:06
